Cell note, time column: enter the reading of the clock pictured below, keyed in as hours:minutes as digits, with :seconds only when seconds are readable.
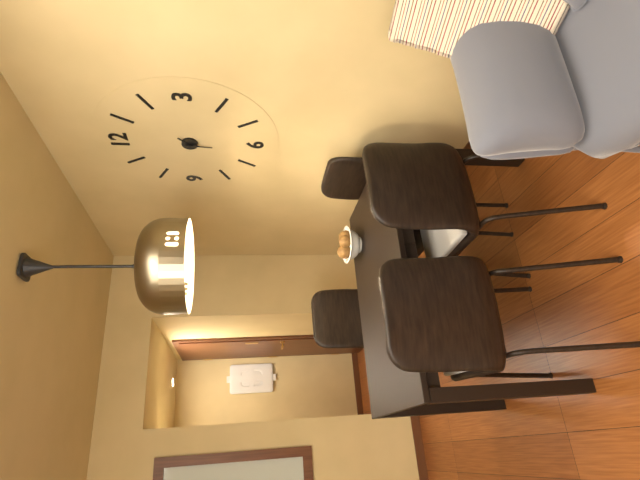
1:31
